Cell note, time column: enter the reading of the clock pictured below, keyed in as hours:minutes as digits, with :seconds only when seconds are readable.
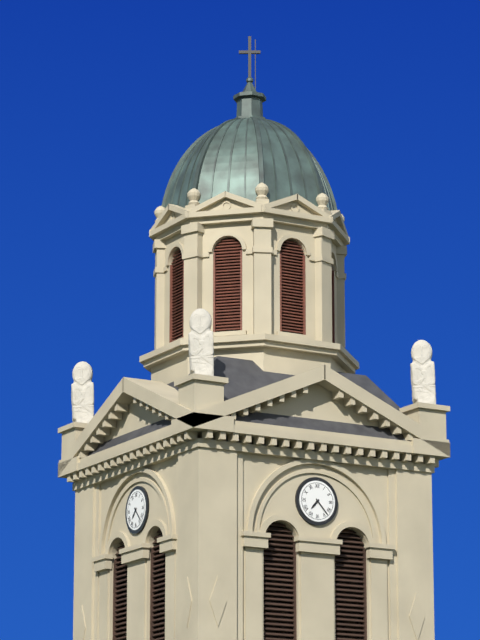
7:23
